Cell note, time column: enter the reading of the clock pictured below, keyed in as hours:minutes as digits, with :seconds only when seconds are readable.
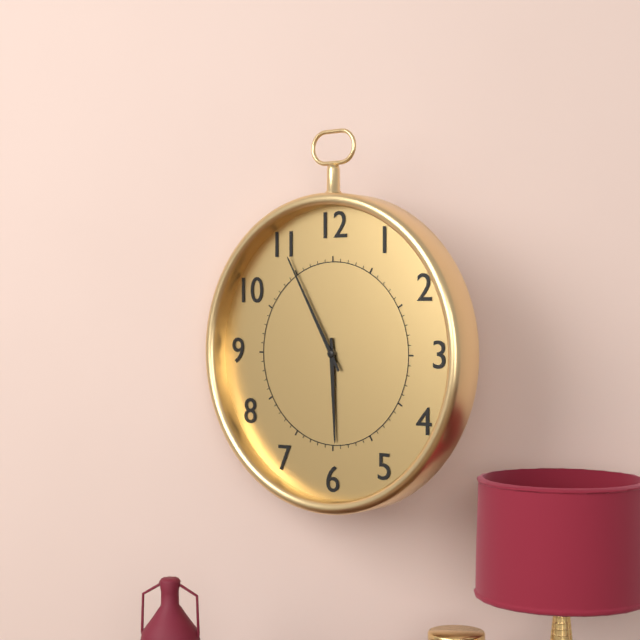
5:55
